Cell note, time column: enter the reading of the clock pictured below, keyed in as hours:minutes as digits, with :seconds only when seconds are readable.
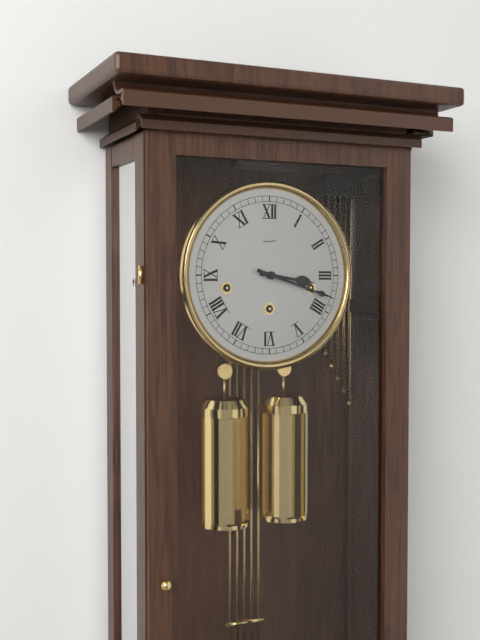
3:18
